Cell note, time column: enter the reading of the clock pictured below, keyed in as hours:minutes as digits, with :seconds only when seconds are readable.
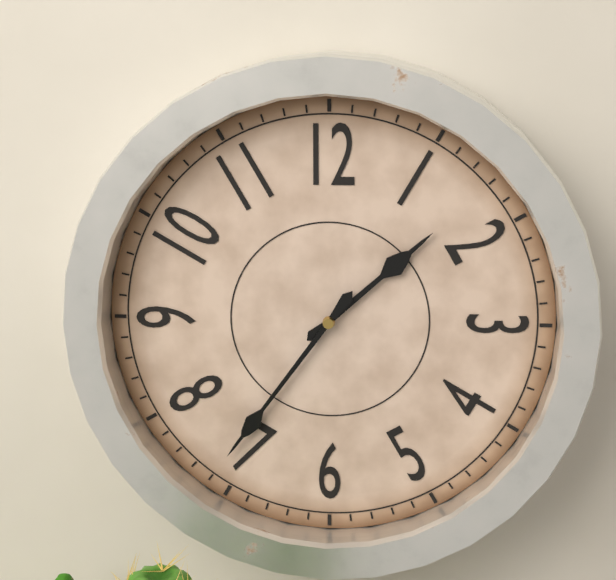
1:36
